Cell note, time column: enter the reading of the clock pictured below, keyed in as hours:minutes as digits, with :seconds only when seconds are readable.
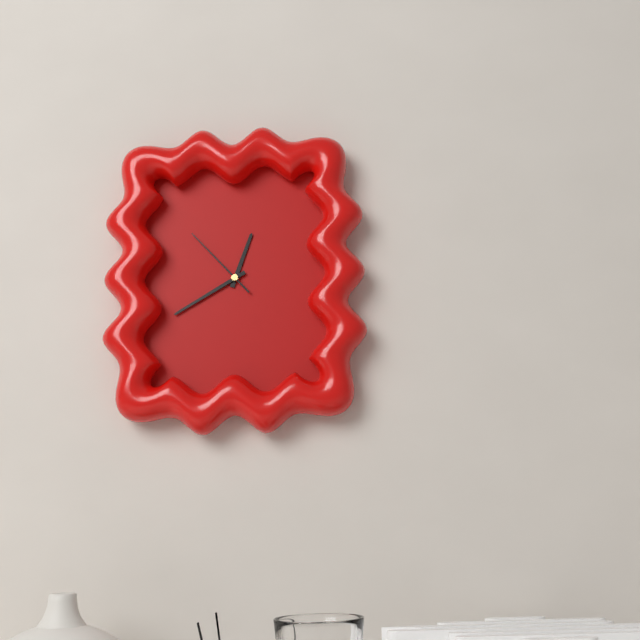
12:40:53
